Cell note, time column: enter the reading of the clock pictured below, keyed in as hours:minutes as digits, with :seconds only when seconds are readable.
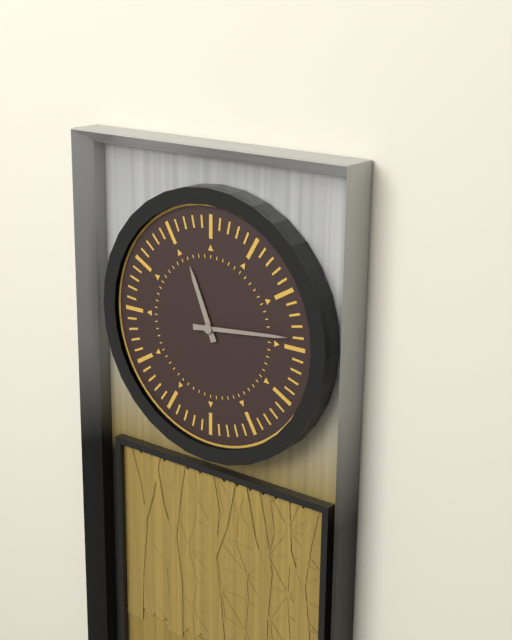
11:14
